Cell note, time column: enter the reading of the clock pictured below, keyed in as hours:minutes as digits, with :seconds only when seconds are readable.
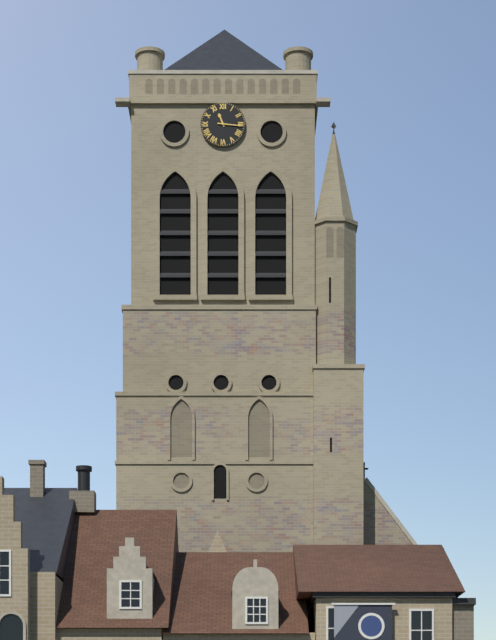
11:16
